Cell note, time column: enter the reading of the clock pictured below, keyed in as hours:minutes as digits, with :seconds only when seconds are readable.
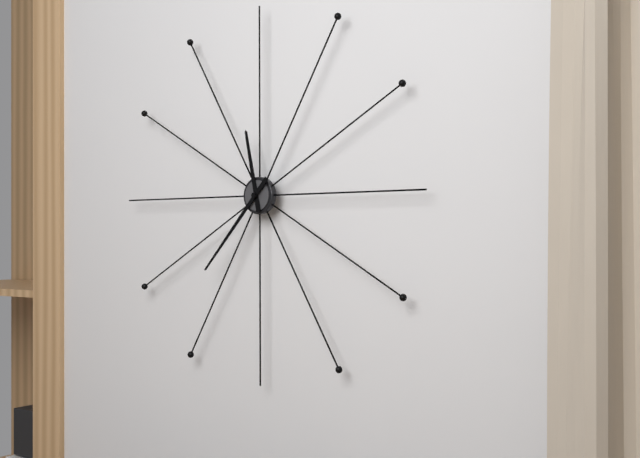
11:37
